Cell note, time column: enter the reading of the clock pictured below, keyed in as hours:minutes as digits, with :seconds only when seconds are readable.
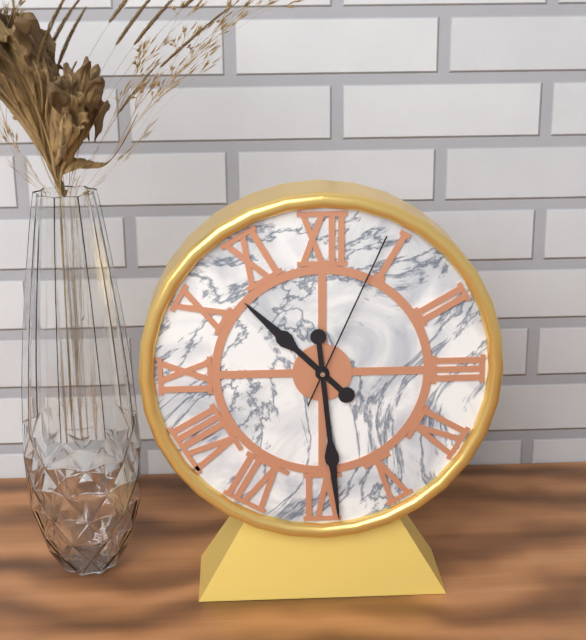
10:29:04
